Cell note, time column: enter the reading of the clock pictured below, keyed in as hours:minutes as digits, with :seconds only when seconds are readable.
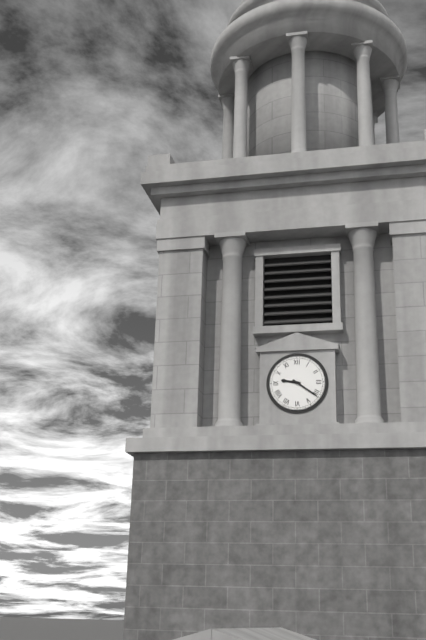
9:21
